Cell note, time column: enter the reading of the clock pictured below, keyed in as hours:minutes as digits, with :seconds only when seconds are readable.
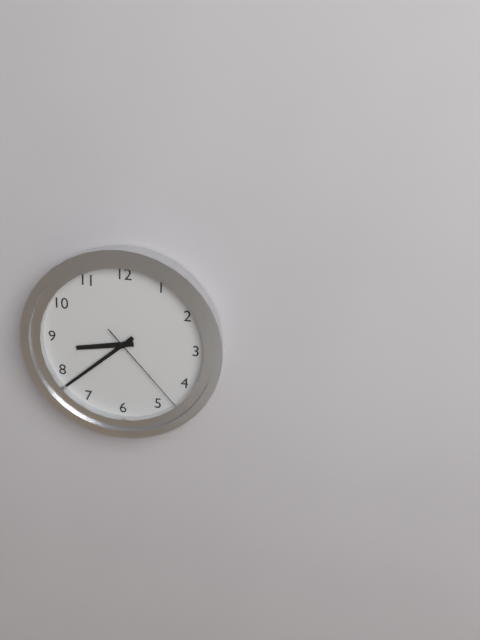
8:38:23
